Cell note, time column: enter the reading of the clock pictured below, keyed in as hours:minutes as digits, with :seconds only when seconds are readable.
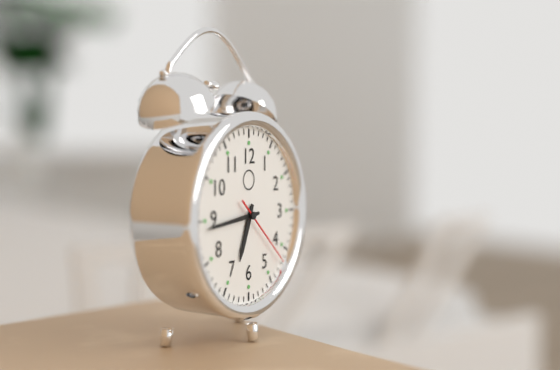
6:44:22
